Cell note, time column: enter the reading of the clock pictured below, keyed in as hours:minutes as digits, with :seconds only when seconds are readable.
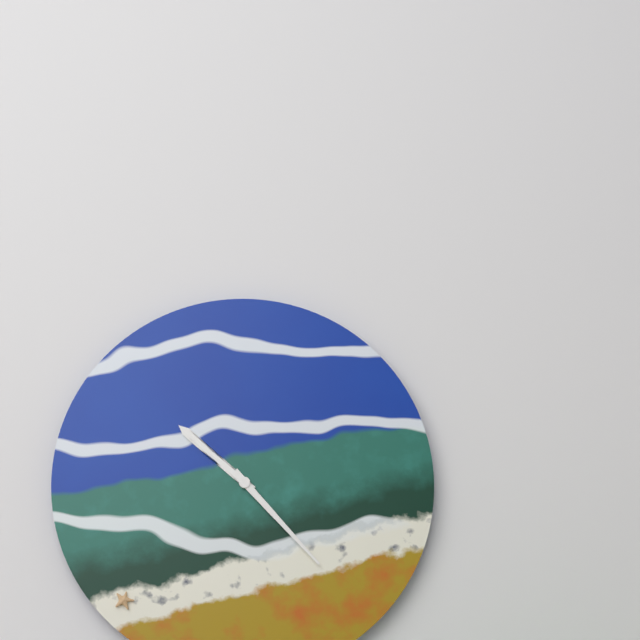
10:23
